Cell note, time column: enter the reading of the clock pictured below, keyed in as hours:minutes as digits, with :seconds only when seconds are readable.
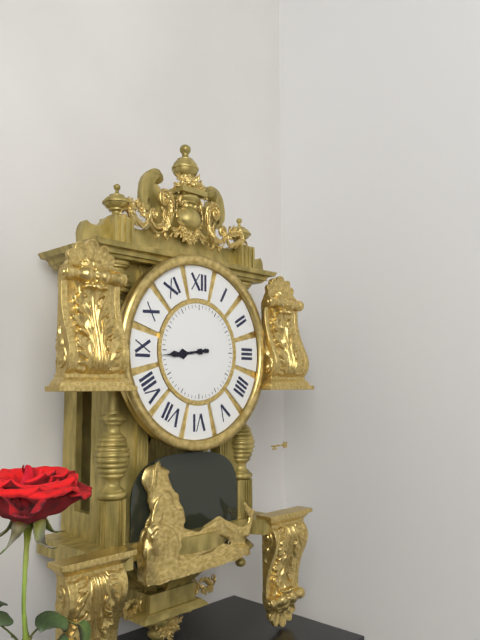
8:44
